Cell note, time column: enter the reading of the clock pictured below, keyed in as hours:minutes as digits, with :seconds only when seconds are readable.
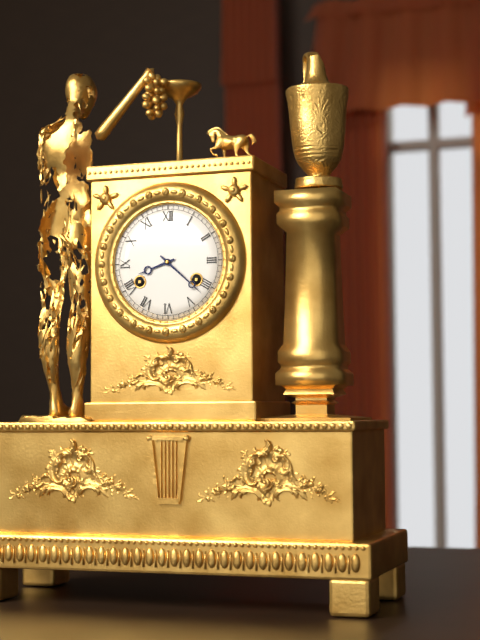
8:22
